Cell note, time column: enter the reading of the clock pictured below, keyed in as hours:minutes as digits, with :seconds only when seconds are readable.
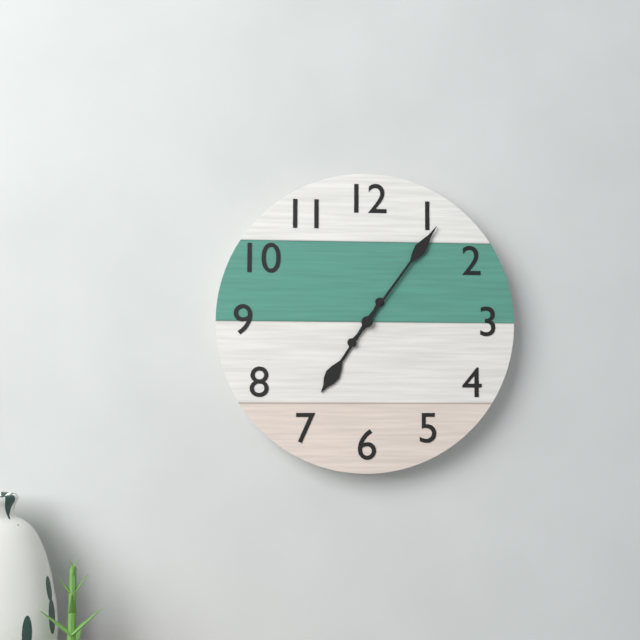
7:06
